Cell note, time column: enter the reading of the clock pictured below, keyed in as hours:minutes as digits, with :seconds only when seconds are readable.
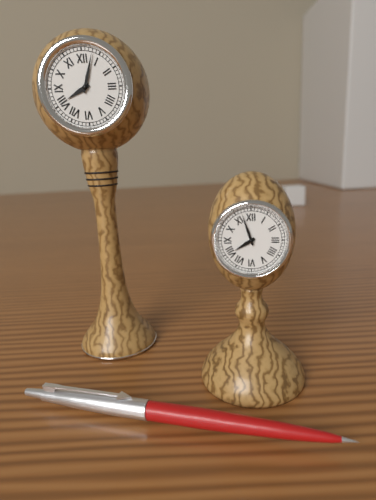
8:03
